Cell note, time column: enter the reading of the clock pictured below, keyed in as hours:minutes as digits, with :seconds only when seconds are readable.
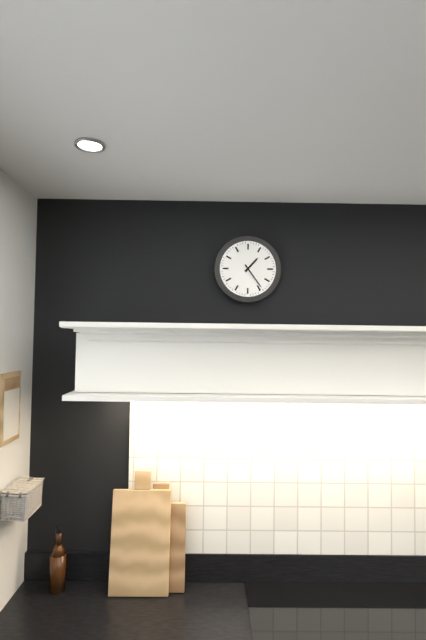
1:24
